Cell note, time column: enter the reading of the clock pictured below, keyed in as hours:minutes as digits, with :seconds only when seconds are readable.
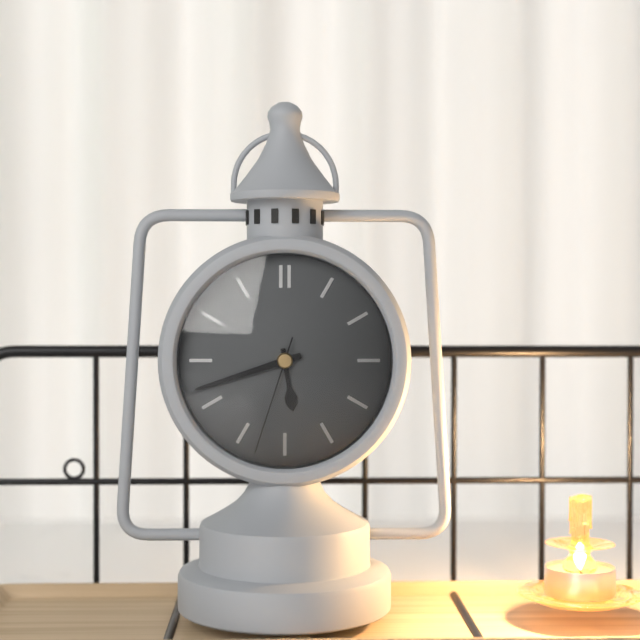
5:42:33
